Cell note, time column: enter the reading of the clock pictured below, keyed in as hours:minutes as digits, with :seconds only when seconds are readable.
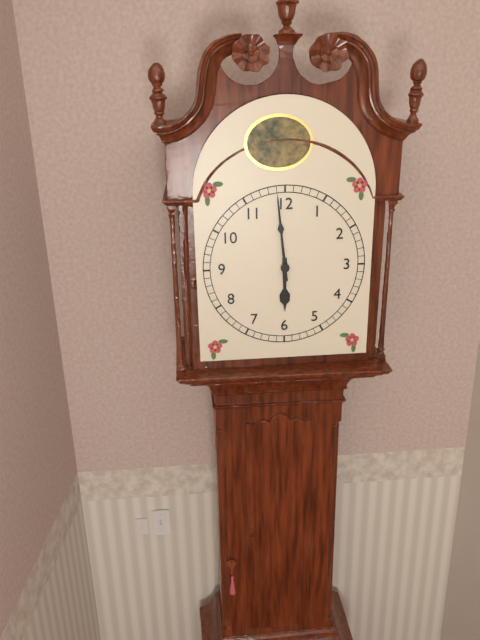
5:59
